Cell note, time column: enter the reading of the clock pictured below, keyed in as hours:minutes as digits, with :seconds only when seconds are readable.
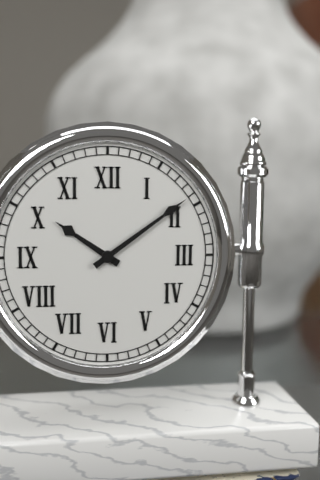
10:09
